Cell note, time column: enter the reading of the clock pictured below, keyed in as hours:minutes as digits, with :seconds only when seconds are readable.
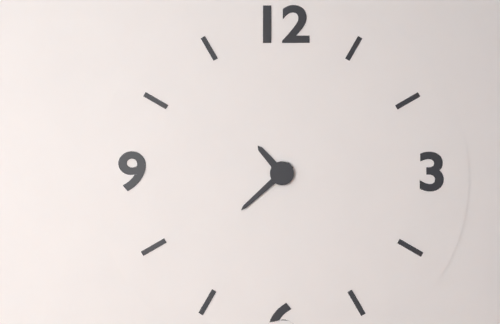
10:38
